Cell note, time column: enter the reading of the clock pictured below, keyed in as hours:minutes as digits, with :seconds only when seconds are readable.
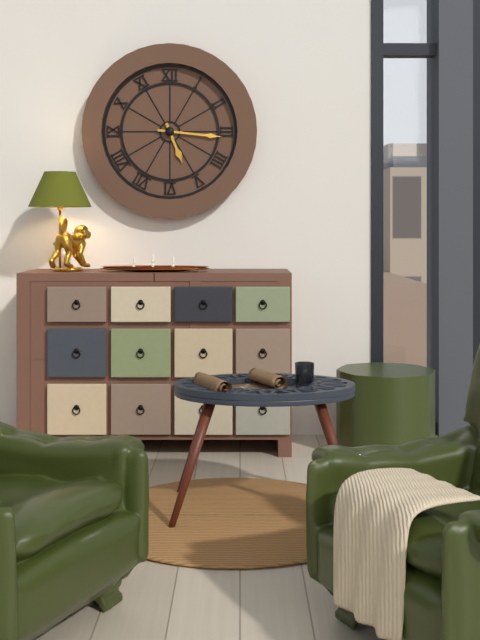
5:16
